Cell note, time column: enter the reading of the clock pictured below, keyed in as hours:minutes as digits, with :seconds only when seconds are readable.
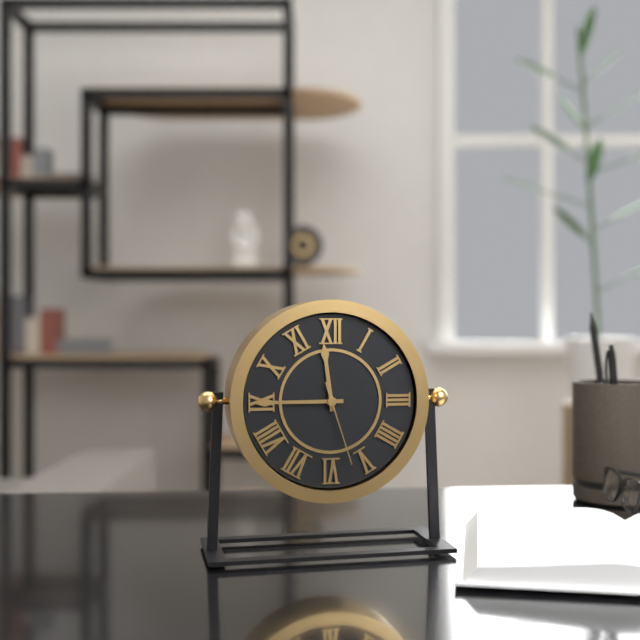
11:45:27
